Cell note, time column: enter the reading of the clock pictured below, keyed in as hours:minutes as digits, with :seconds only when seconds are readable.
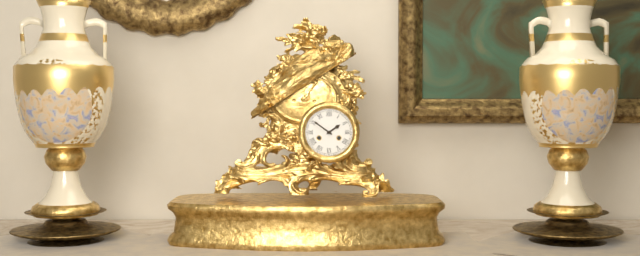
1:51
